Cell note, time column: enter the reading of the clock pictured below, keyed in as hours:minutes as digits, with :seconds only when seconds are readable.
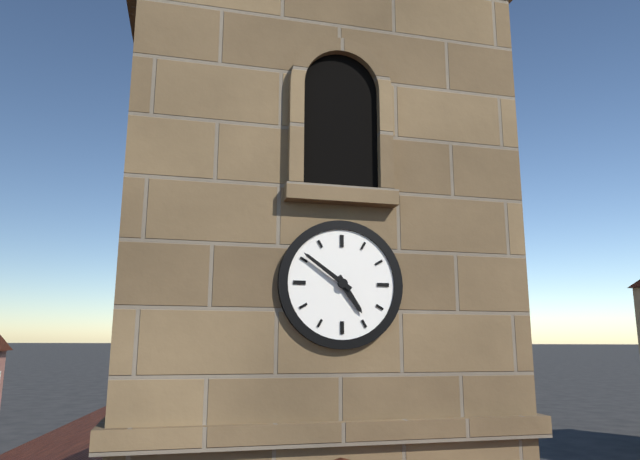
4:51
